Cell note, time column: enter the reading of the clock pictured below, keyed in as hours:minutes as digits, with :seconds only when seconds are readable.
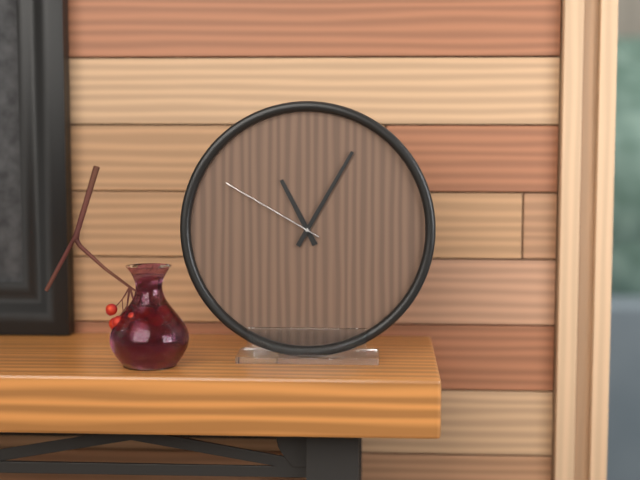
11:05:50
